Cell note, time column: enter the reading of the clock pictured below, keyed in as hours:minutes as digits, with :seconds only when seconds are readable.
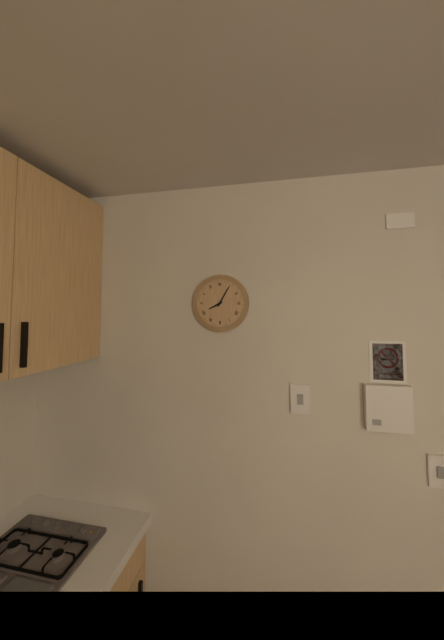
8:05
